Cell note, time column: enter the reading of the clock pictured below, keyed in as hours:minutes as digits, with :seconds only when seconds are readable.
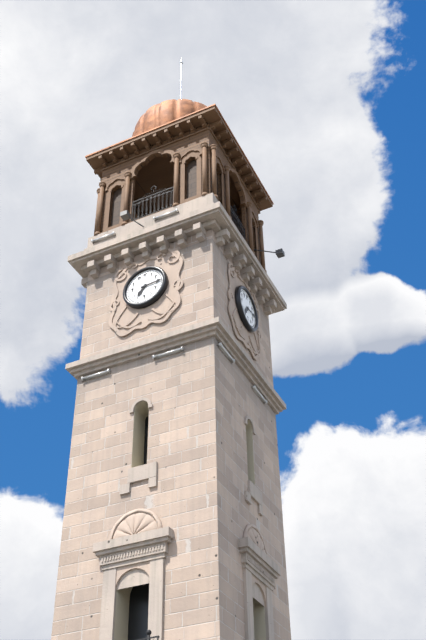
7:14
